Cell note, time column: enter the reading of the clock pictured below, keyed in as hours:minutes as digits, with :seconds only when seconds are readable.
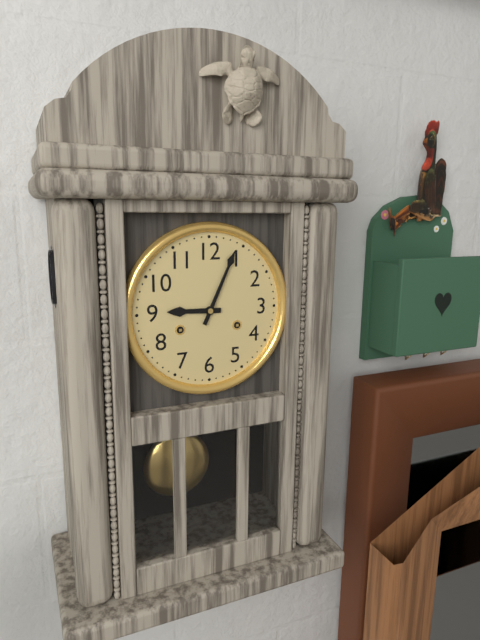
9:04
